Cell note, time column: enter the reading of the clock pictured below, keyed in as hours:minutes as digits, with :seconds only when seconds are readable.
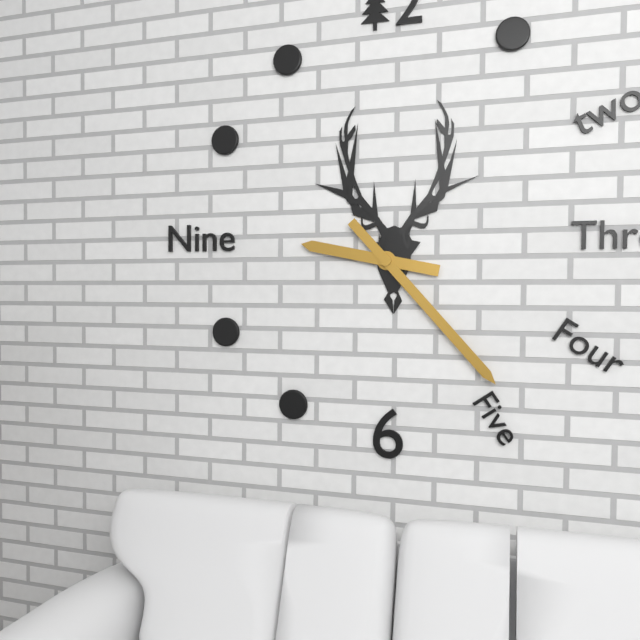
9:23
